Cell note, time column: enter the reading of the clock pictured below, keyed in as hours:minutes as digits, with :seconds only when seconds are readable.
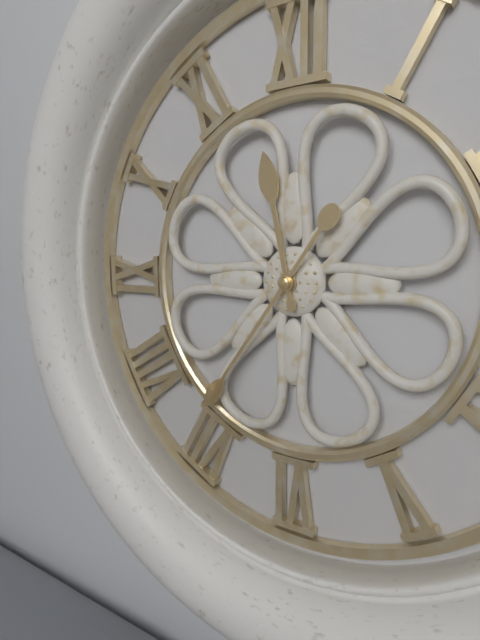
11:36
